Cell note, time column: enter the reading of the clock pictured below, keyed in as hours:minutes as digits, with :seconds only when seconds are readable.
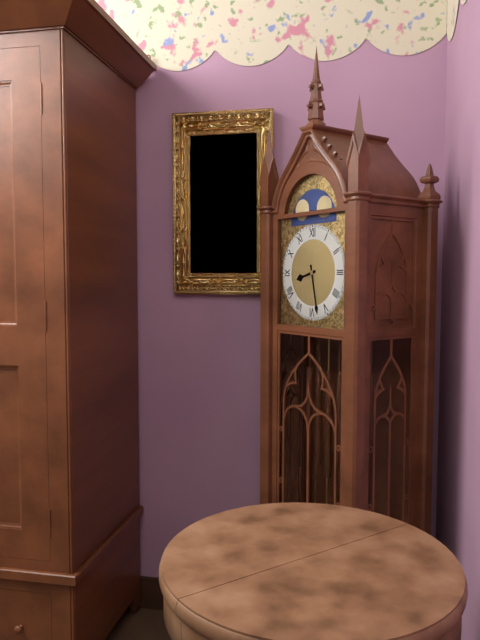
8:28
